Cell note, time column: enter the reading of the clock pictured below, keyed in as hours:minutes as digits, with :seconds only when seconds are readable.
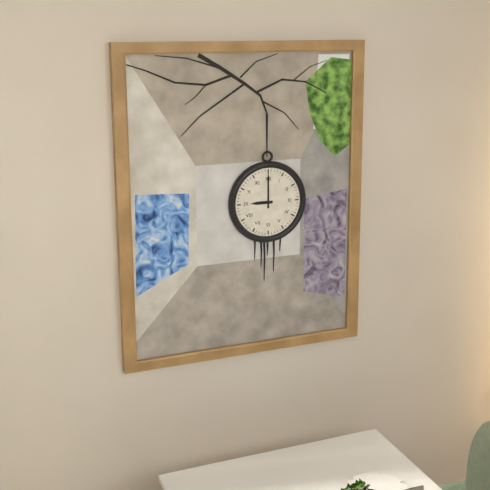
9:00
